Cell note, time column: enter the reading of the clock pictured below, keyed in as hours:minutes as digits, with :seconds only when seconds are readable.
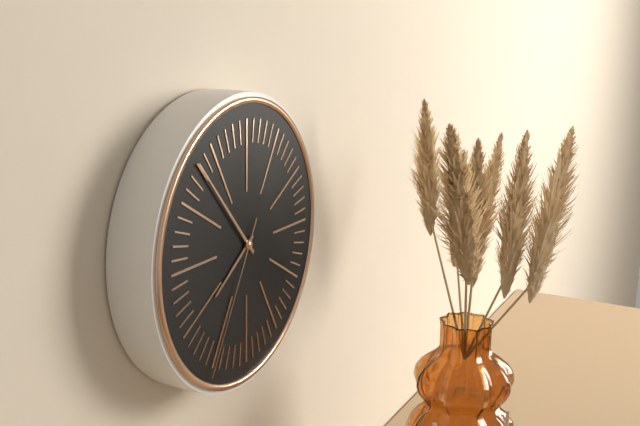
7:53:35
